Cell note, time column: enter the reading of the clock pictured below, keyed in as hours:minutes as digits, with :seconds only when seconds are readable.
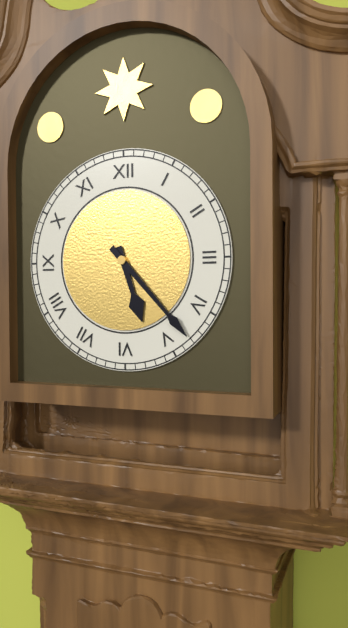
5:23
